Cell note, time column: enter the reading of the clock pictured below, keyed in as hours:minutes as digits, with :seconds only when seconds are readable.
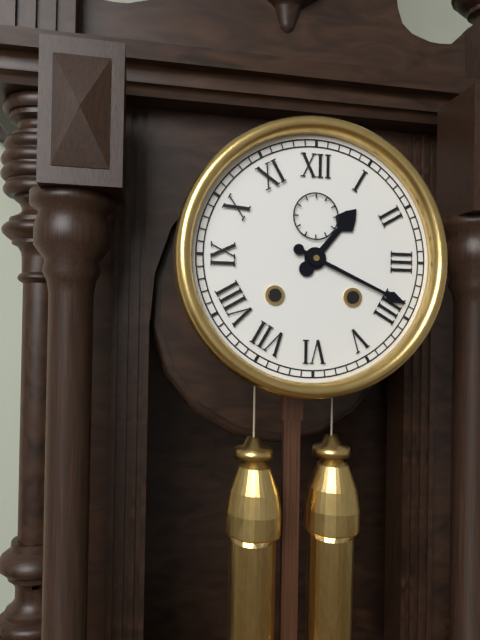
1:19
